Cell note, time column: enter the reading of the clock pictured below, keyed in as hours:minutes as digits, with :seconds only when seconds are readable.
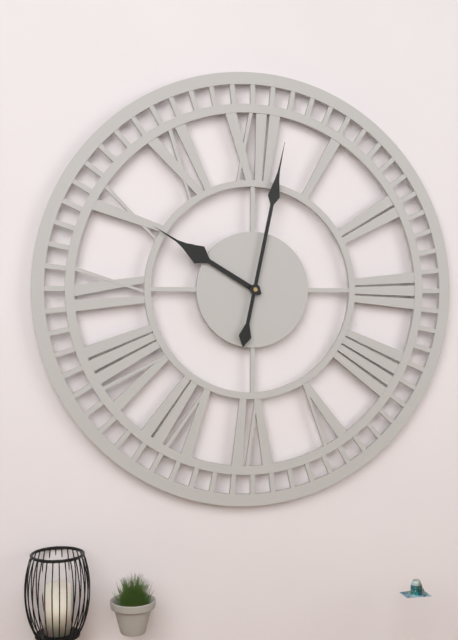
10:02
